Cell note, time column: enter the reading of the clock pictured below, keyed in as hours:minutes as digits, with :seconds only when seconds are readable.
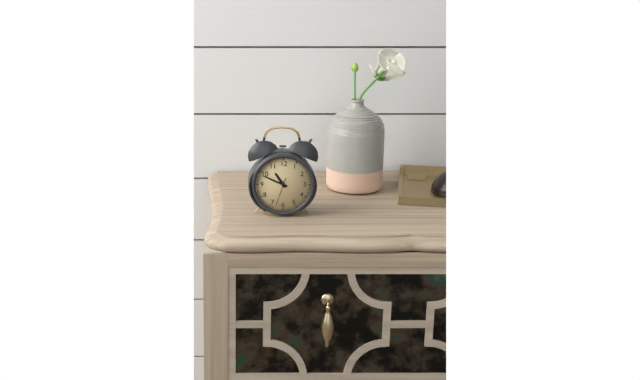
10:49
